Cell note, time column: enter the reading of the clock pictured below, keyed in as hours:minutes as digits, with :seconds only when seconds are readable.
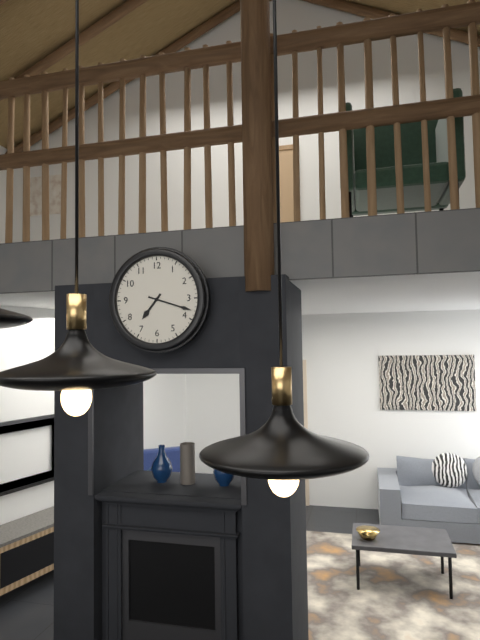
7:18
